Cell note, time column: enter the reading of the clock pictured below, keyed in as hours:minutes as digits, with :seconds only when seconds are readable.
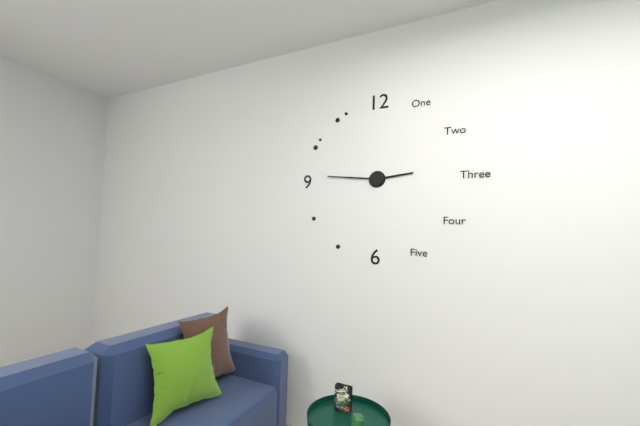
2:46
